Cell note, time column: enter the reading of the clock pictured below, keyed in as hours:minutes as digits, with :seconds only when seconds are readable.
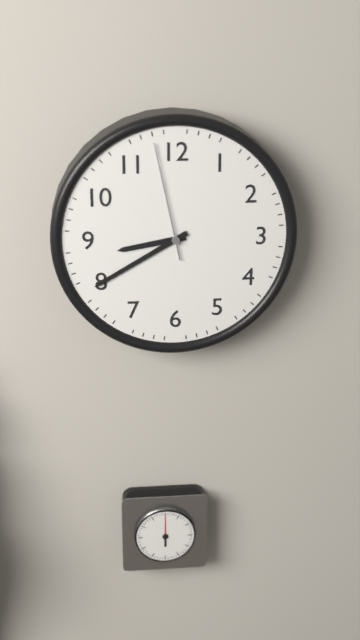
8:40:58
